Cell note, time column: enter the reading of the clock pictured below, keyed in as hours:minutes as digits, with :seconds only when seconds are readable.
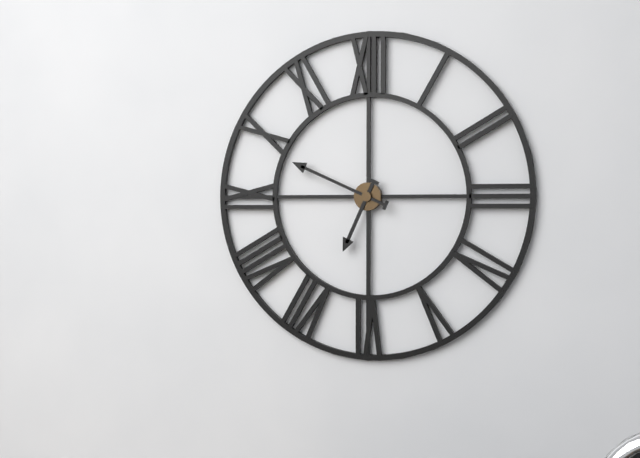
6:49
